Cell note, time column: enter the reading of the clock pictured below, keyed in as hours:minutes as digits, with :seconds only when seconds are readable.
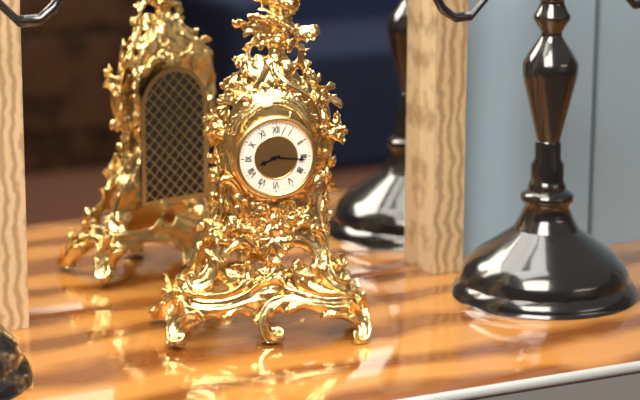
8:16
